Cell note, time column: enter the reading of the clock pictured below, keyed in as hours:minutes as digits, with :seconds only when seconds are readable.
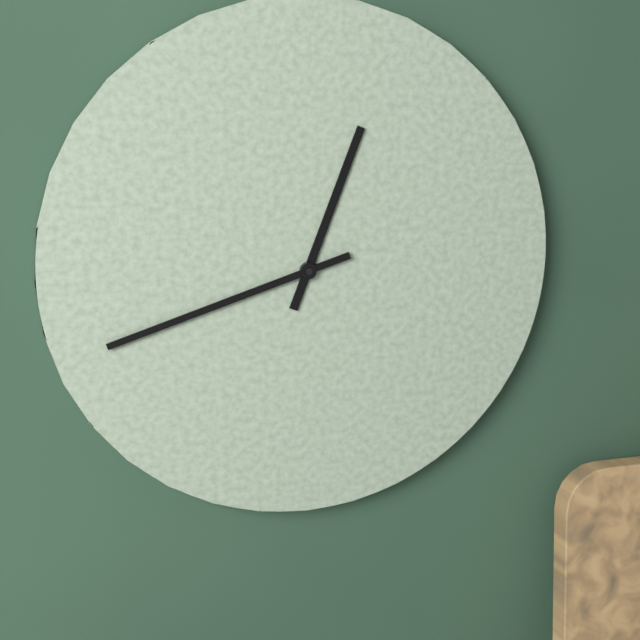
12:42
